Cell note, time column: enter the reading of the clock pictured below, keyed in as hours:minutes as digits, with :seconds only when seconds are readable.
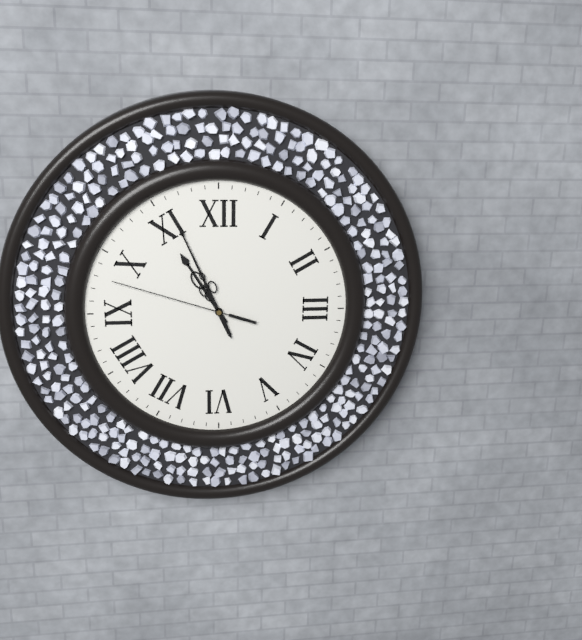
10:56:48
